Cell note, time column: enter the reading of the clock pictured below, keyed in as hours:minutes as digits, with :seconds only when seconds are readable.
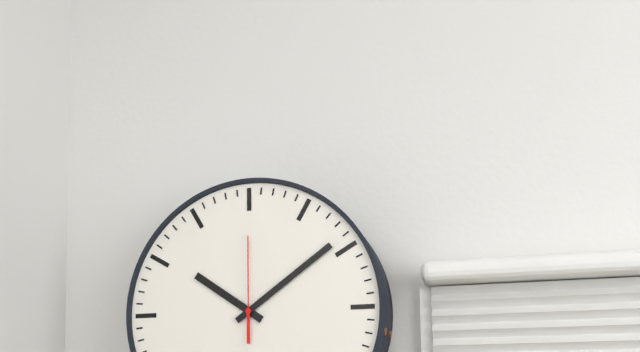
10:09:00
